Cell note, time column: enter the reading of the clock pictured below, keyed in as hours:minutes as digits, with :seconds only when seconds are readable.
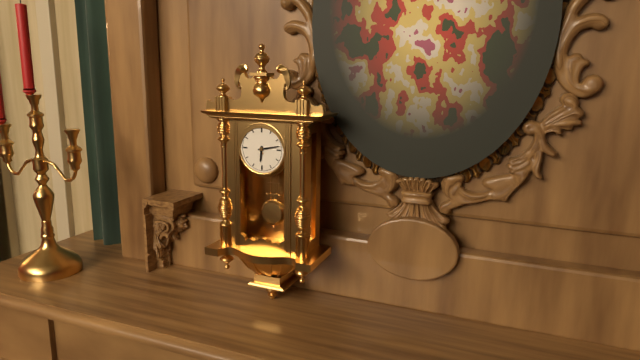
6:13
